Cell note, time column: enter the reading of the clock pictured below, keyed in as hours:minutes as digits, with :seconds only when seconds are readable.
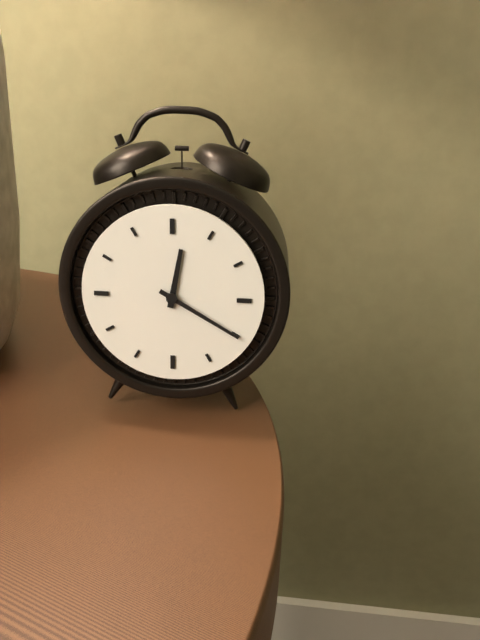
12:20
